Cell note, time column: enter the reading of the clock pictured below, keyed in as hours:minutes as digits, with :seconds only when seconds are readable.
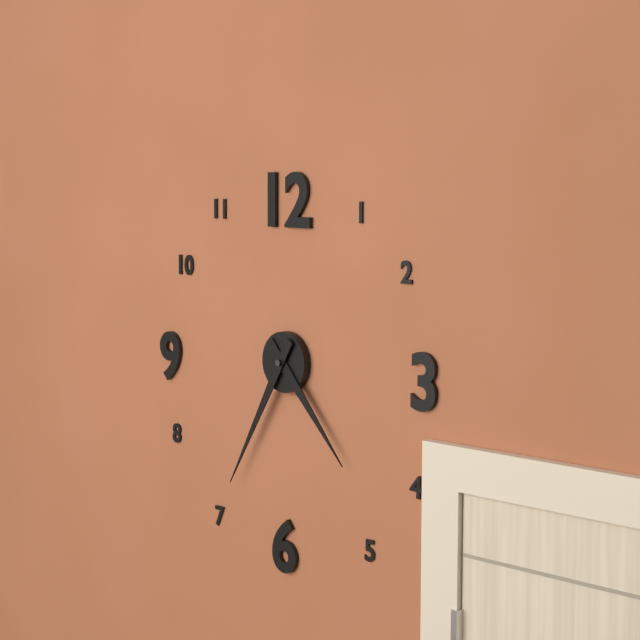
4:35
